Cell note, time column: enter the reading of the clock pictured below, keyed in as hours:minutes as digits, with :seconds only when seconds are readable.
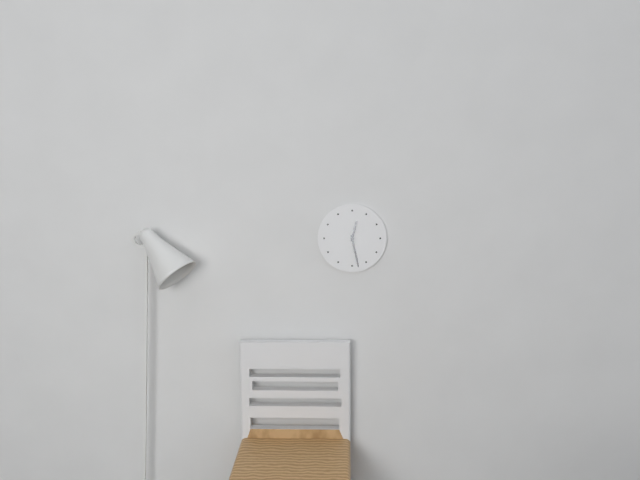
12:28
